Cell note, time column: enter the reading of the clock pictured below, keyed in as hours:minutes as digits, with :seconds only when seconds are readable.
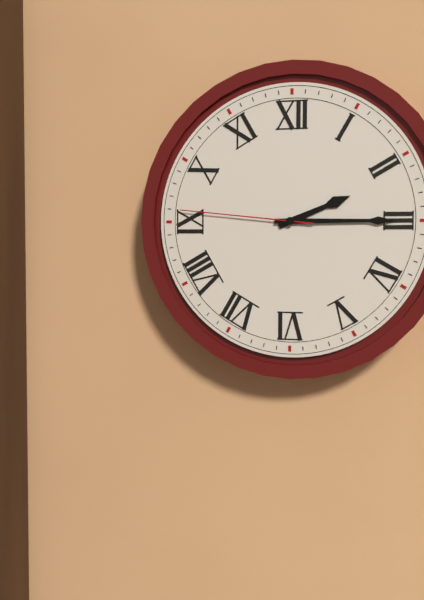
2:15:46
